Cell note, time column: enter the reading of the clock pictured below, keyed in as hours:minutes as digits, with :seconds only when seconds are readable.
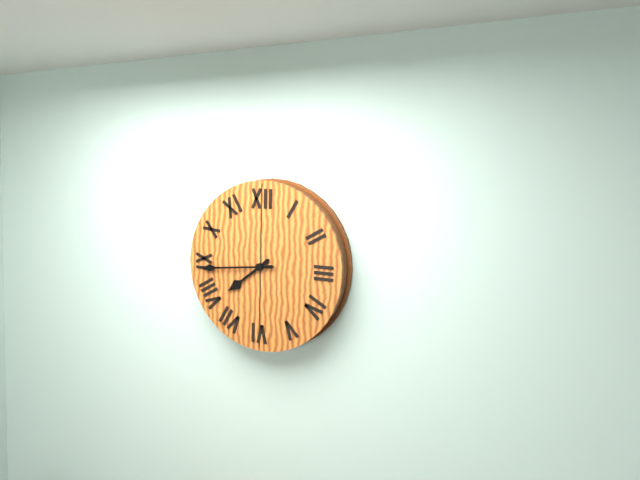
7:44
